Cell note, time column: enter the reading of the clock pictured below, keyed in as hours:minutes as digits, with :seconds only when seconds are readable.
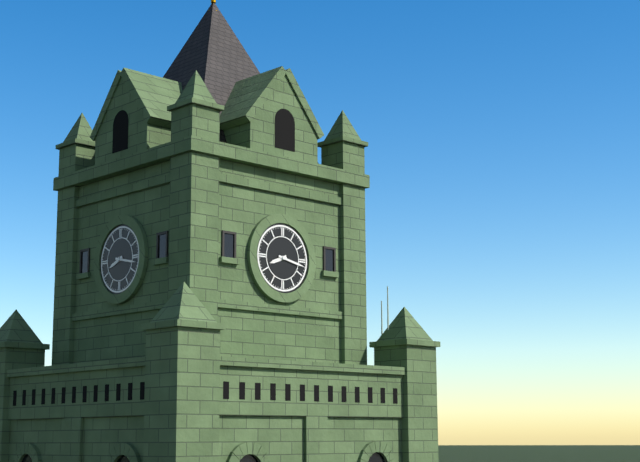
8:17
